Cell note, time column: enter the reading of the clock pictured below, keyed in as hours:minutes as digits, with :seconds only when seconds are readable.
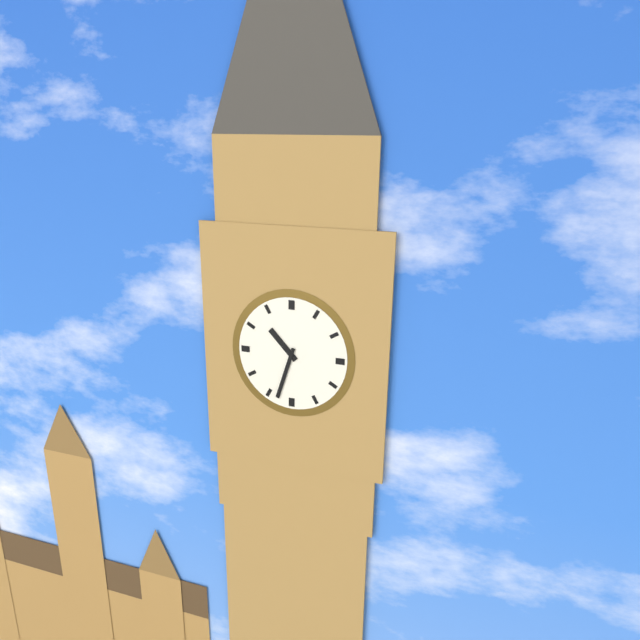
10:33
